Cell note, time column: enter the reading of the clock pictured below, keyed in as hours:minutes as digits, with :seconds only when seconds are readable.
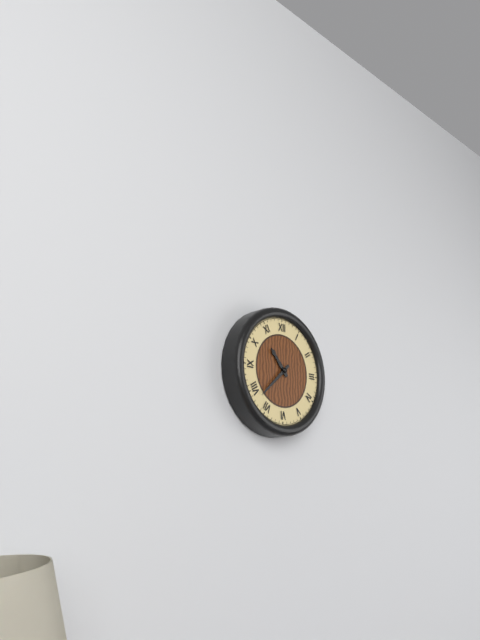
10:38
